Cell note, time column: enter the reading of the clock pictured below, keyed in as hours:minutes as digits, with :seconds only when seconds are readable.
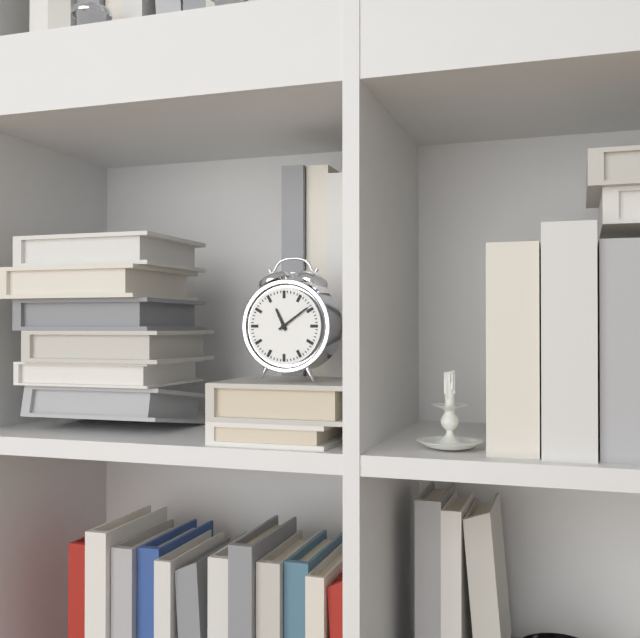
11:09
